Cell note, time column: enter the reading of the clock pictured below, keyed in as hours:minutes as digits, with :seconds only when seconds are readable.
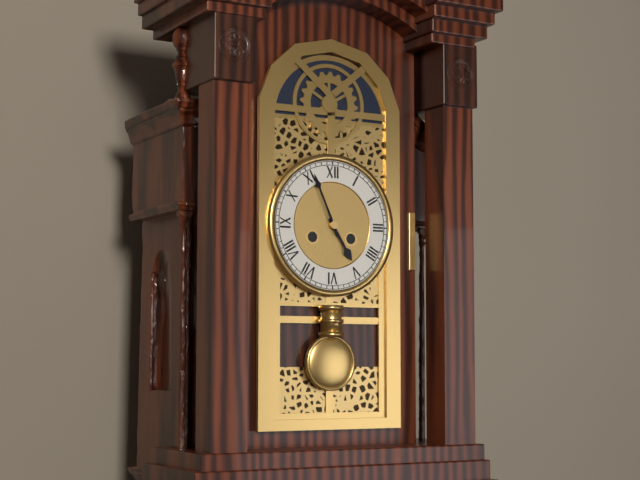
4:56
